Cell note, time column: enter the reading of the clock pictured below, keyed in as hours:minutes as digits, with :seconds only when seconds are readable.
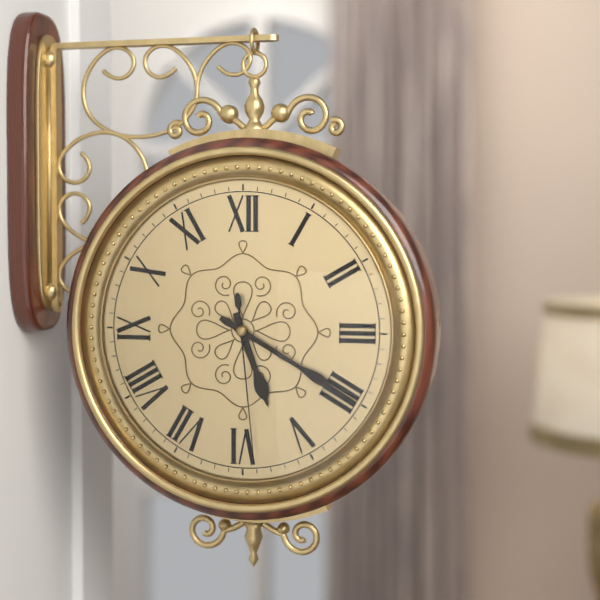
5:20:29
